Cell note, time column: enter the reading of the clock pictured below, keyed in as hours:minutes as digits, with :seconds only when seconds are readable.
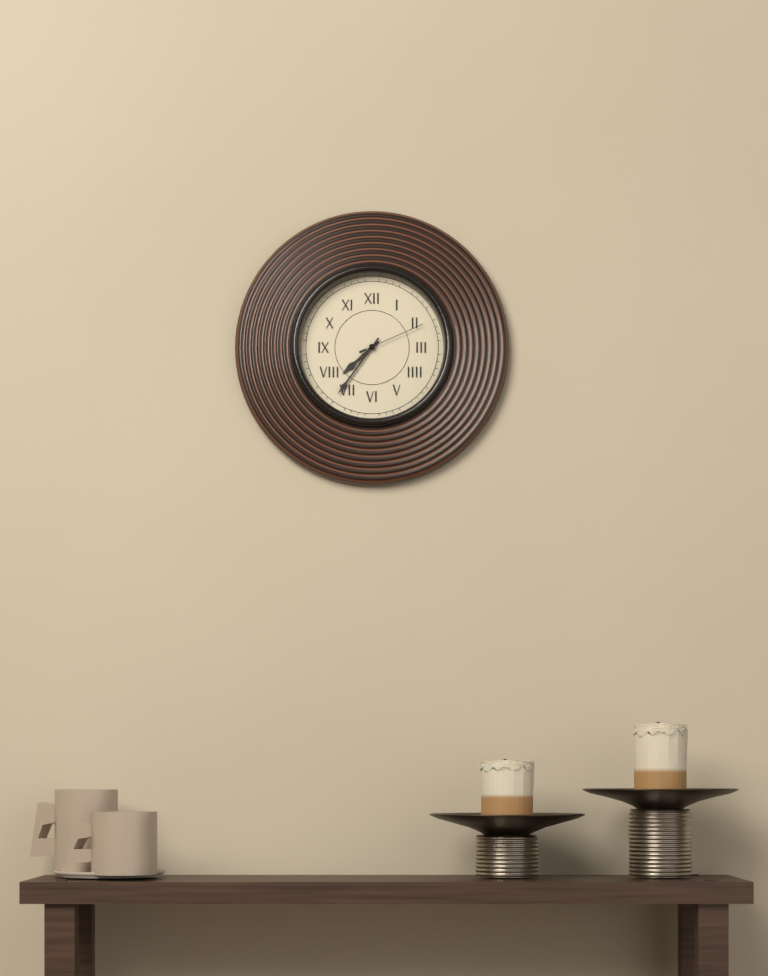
7:36:11
